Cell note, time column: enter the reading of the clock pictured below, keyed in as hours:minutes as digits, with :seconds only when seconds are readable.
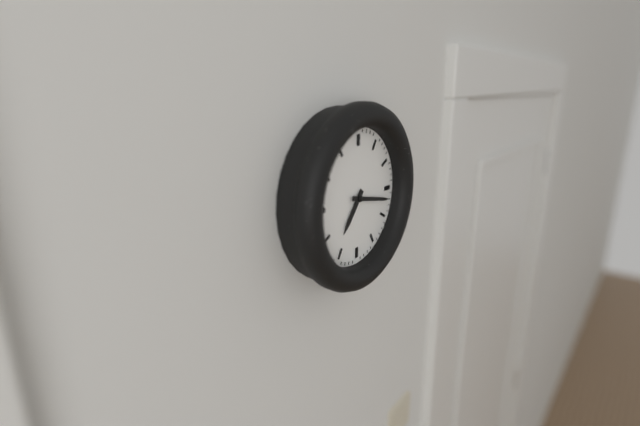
7:17
